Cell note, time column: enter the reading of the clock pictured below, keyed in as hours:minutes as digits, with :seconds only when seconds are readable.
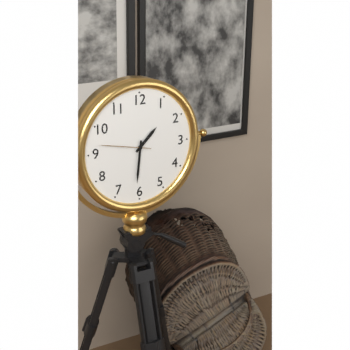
1:31:47
